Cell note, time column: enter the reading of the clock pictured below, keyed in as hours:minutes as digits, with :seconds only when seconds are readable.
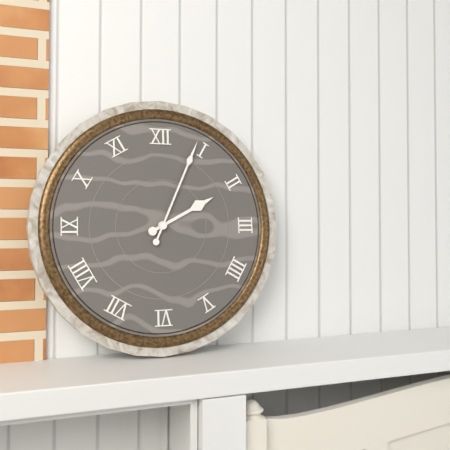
2:04
